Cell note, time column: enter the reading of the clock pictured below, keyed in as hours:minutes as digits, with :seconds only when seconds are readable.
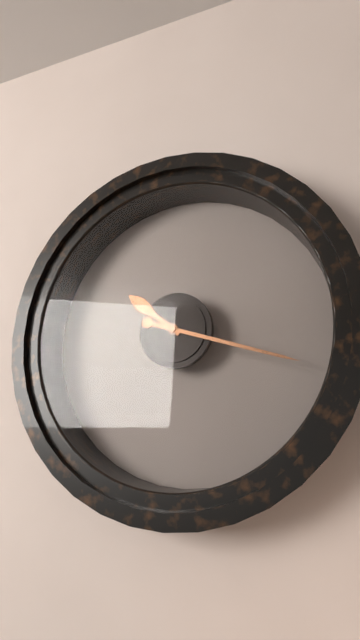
10:18
